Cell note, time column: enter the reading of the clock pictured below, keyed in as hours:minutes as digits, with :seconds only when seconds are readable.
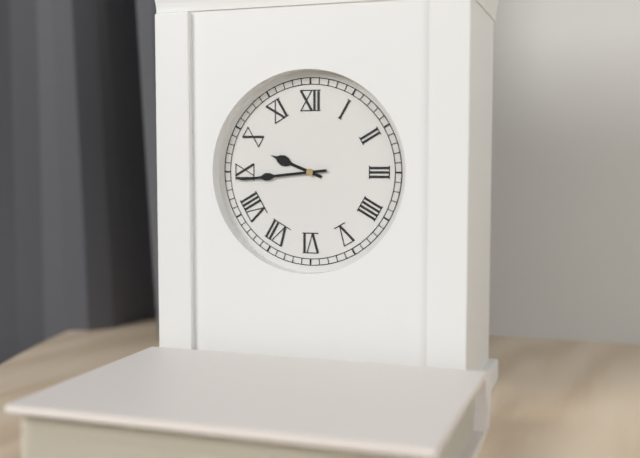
9:44
